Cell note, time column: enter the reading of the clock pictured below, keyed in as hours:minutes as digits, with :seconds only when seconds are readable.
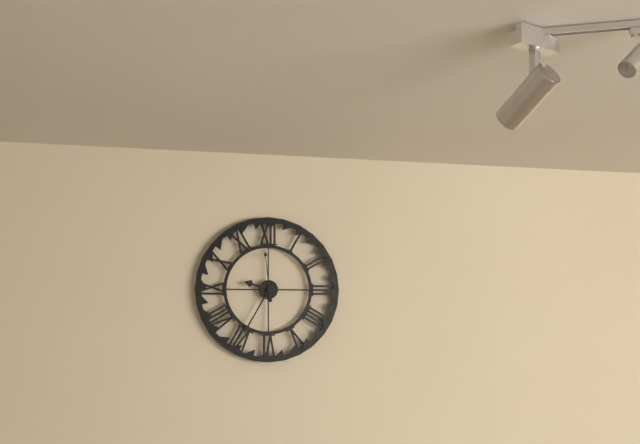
9:35
